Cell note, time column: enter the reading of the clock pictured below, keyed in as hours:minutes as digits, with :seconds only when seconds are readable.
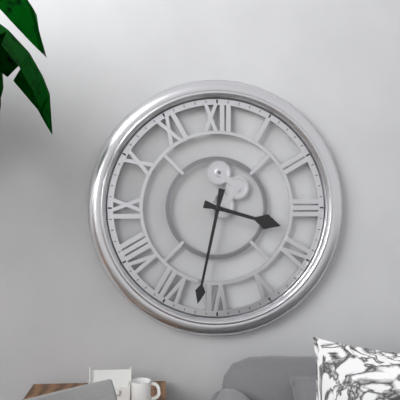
3:32
